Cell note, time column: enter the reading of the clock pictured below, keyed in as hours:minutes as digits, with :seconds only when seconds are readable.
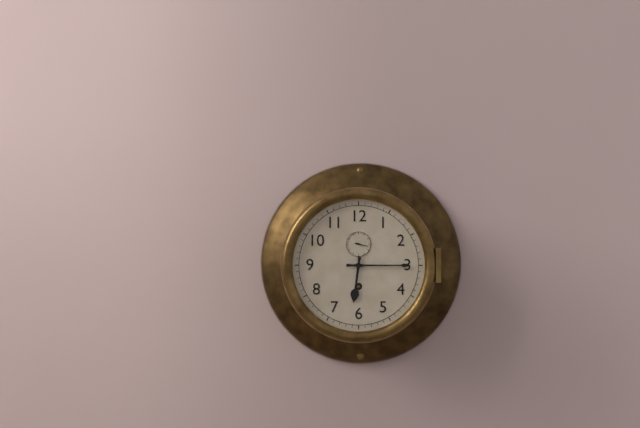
6:15
